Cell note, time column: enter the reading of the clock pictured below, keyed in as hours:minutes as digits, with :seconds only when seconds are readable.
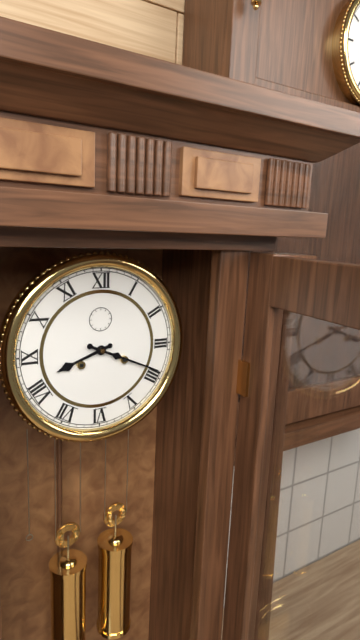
8:19
